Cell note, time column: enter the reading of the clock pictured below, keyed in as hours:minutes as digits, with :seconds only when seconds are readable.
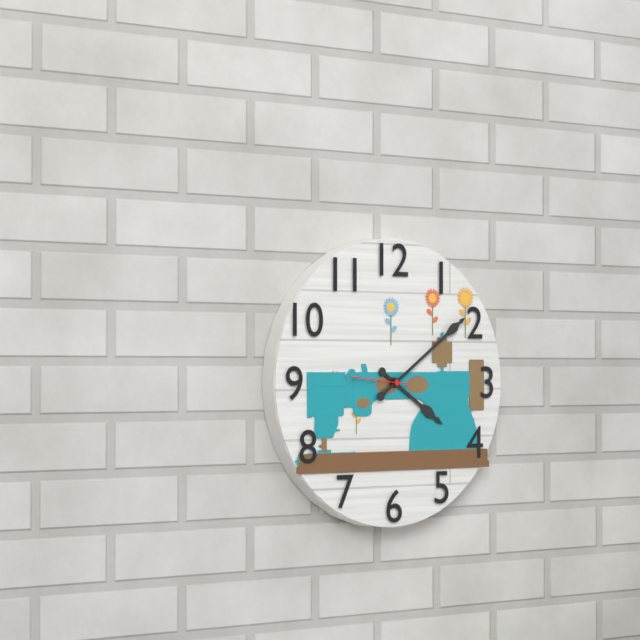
4:09
